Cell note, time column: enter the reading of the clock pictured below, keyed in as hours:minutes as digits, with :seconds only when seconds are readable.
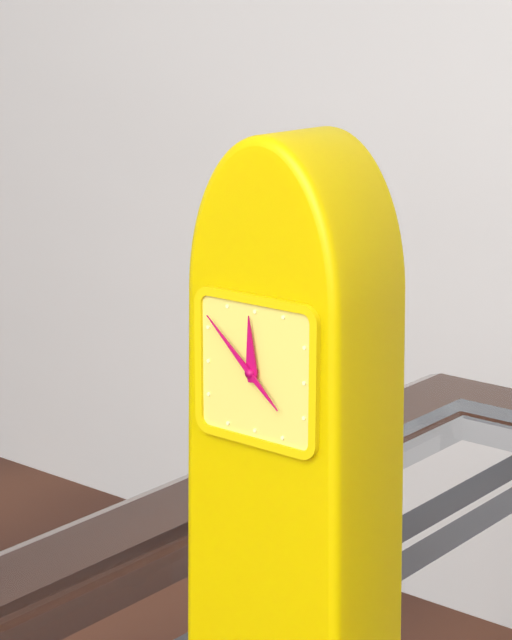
11:52
